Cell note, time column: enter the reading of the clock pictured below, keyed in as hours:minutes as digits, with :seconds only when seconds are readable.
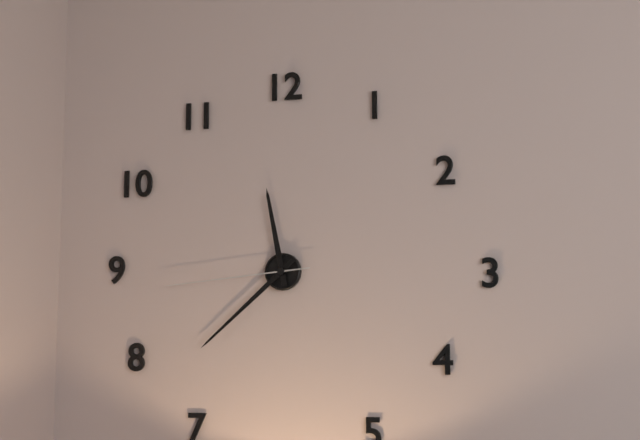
11:38:44
